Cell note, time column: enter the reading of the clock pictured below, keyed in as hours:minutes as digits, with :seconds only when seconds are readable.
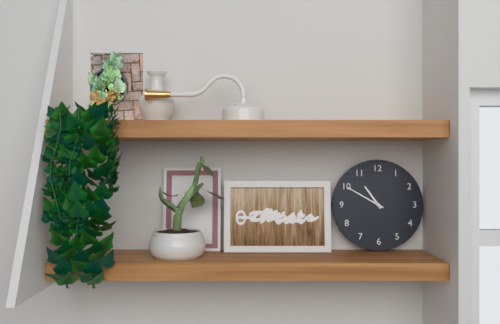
10:50
